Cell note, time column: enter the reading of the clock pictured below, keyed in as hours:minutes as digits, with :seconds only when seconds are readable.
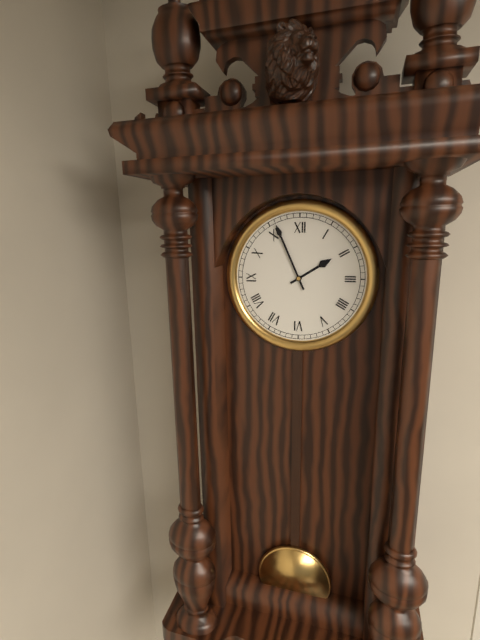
1:56
